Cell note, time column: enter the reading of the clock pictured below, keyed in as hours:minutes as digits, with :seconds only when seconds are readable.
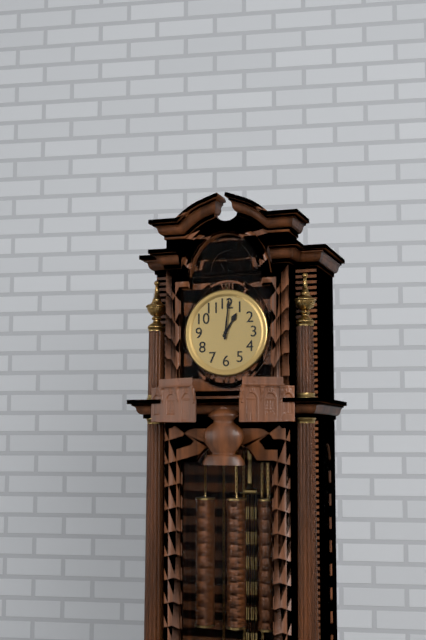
1:01
